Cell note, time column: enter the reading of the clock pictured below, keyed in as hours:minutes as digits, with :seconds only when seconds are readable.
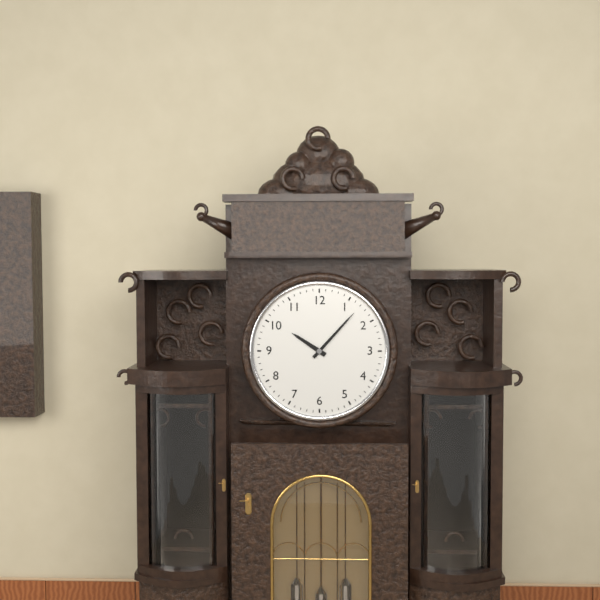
10:07
